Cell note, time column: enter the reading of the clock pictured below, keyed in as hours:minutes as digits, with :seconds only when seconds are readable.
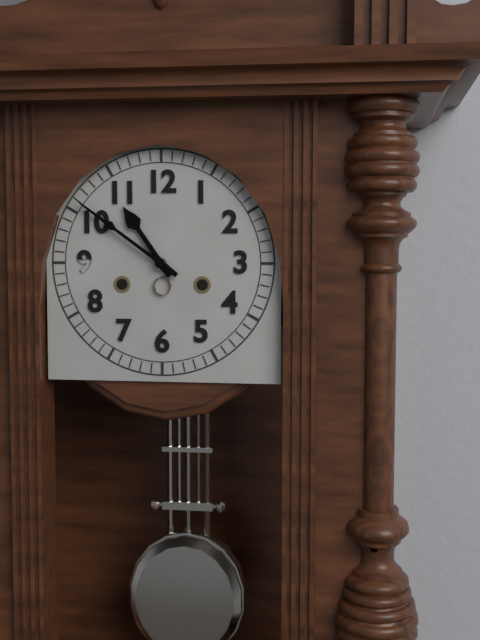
10:51
